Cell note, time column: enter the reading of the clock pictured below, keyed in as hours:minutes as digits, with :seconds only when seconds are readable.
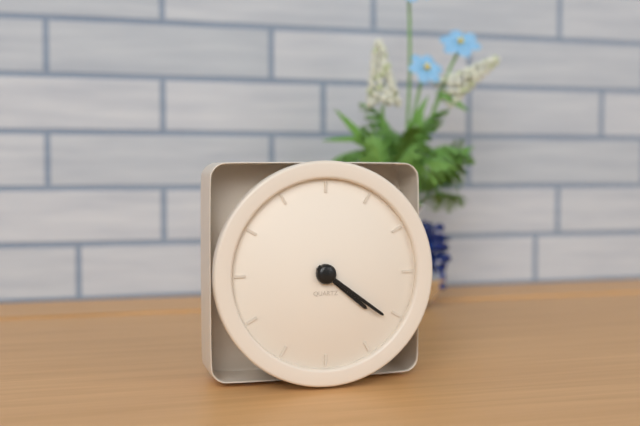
4:21
